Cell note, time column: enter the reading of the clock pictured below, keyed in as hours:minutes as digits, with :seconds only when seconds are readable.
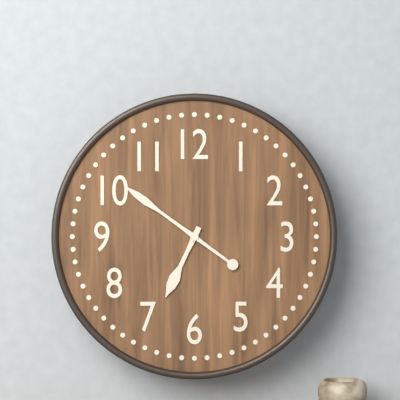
6:51
